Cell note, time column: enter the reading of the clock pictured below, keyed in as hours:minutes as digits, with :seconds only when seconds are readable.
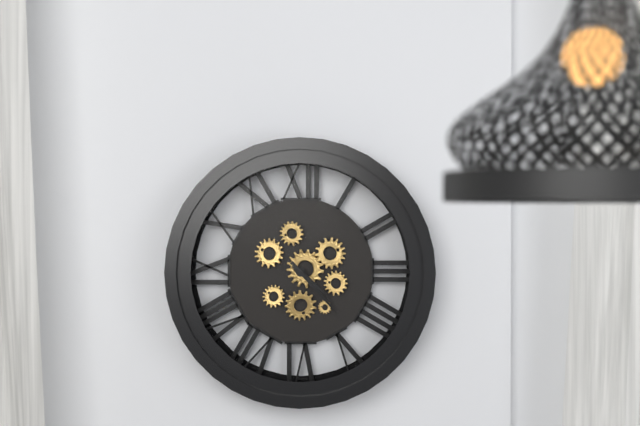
4:23
